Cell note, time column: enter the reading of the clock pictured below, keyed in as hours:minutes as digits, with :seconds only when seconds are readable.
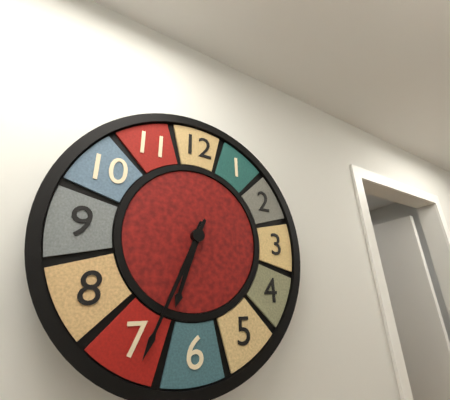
6:34
